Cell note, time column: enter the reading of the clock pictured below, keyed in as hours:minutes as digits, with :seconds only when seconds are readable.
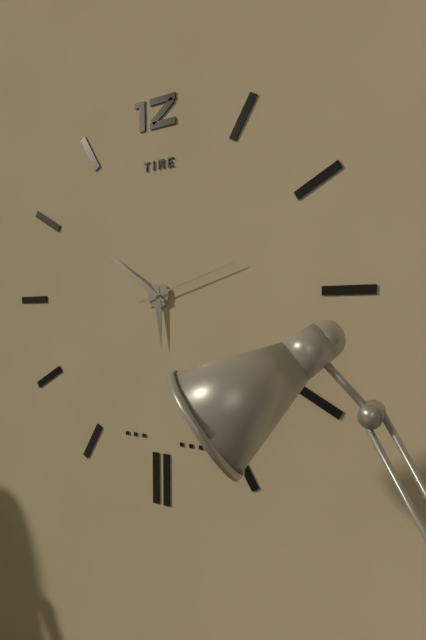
5:51:12
